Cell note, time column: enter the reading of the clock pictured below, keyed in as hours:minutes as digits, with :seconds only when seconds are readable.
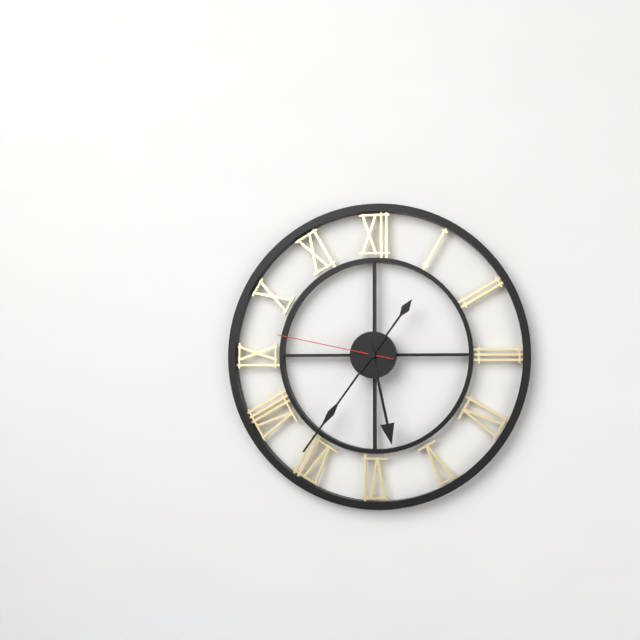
5:36:47
